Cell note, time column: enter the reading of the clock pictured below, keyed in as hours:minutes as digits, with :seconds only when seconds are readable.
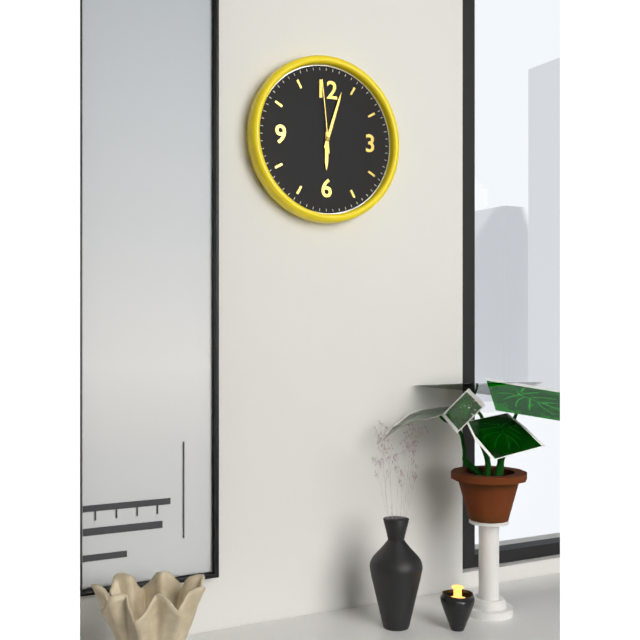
6:03:59
